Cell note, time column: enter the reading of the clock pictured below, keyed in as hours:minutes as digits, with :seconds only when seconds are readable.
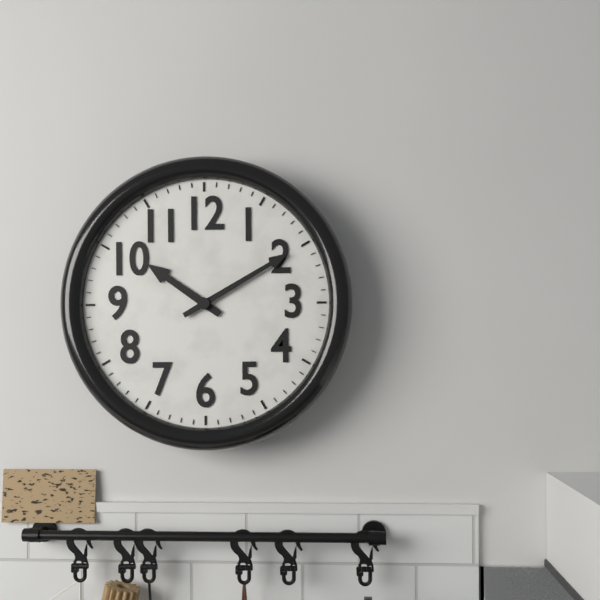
10:10
